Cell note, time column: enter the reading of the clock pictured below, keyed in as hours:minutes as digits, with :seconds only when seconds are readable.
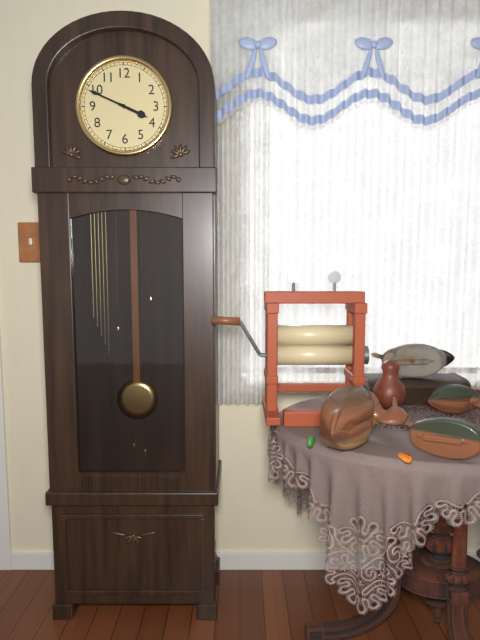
3:49
